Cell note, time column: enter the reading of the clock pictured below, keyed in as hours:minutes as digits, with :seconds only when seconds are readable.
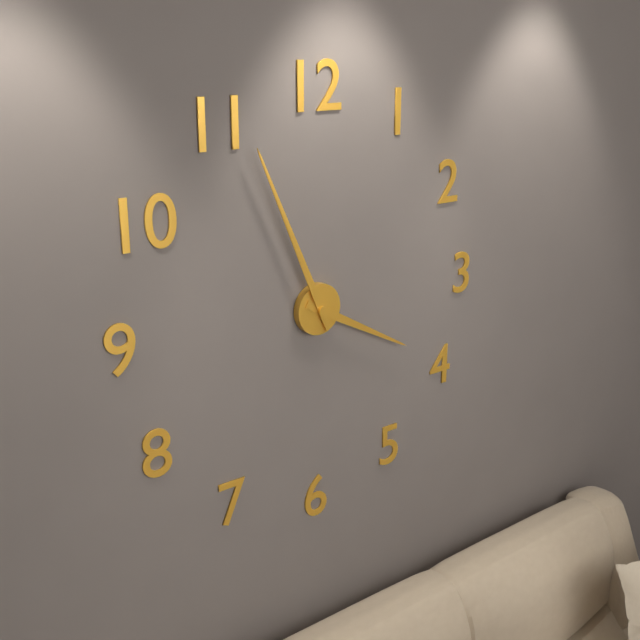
3:56
